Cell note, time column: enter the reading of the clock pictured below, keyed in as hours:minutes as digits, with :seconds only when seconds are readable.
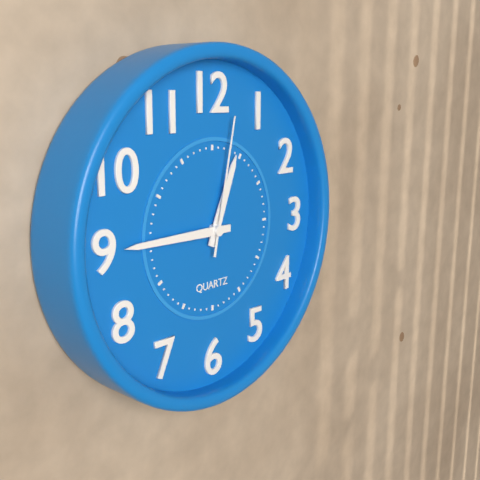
12:45:02
